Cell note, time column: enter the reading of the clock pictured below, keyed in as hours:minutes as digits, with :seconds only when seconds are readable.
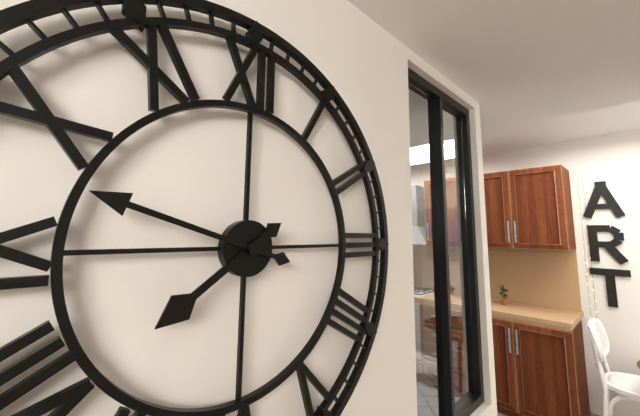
7:48
